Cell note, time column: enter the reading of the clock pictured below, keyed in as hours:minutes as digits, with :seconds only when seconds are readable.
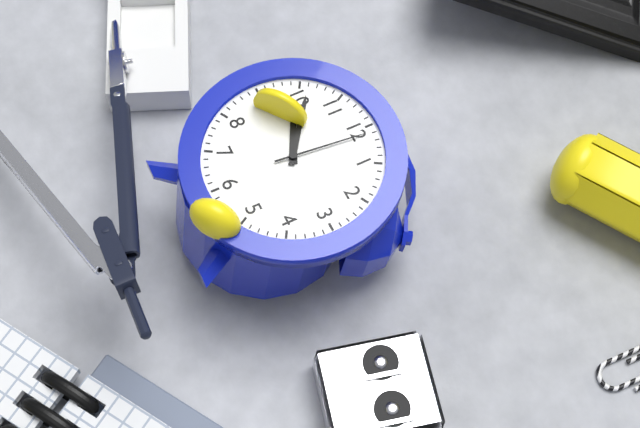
9:51:01
